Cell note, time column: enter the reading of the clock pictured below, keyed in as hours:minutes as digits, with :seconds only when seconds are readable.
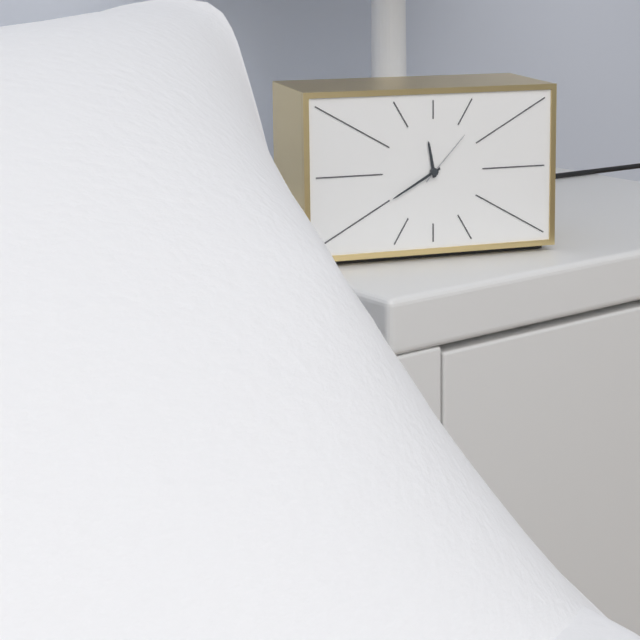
11:40:07
